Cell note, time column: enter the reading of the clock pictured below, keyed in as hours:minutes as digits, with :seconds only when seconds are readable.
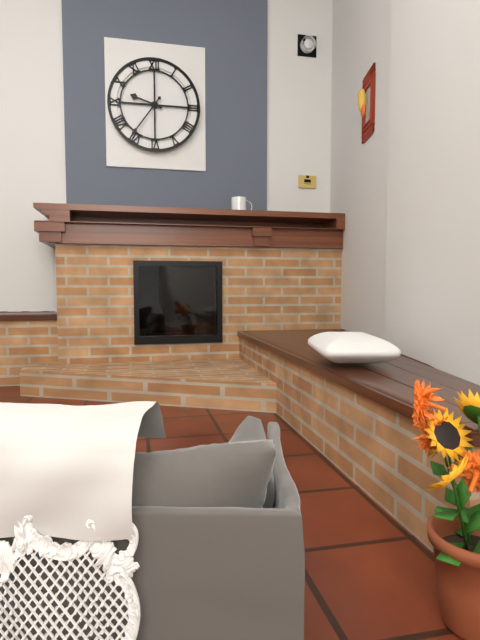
9:36
